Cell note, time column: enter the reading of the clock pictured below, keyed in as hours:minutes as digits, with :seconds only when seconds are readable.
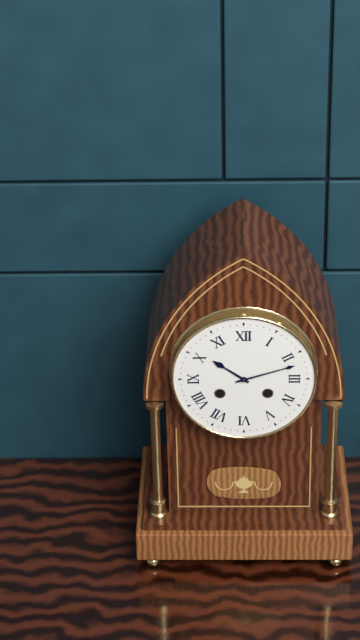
10:12
